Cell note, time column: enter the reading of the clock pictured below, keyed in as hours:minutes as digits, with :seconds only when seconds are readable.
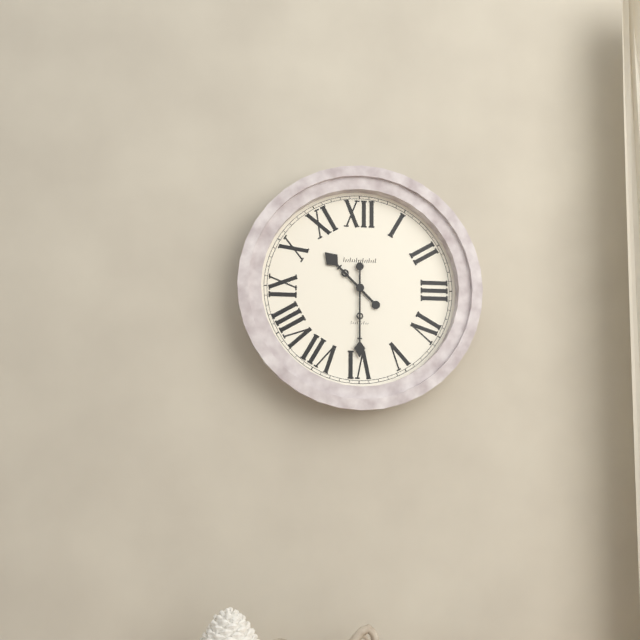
10:30
